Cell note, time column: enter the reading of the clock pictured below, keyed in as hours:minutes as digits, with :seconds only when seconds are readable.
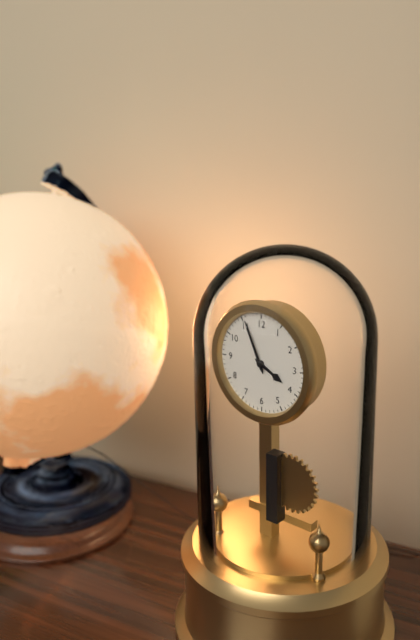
3:56
